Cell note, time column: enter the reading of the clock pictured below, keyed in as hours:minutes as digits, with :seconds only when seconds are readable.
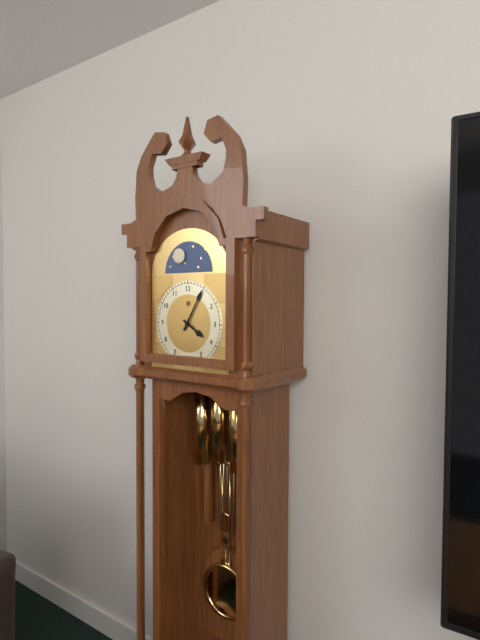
4:05
